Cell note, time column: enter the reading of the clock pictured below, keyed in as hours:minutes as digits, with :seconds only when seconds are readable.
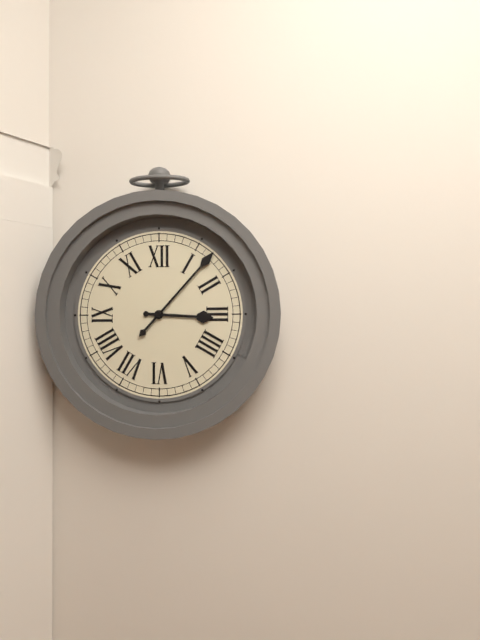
3:07
